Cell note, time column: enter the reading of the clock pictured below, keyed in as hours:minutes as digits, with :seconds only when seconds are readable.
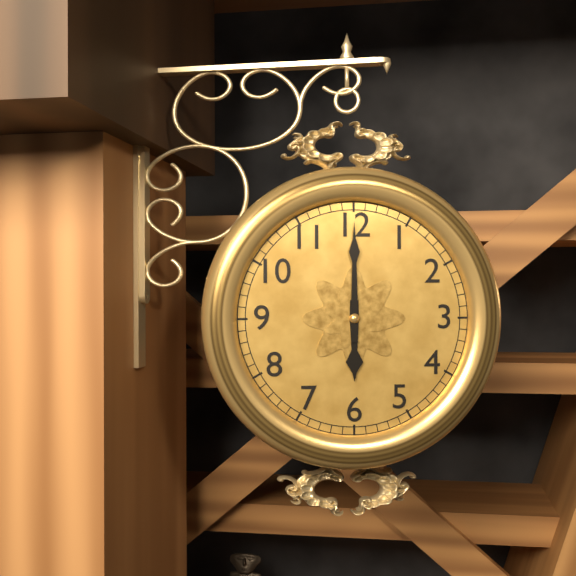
6:00
